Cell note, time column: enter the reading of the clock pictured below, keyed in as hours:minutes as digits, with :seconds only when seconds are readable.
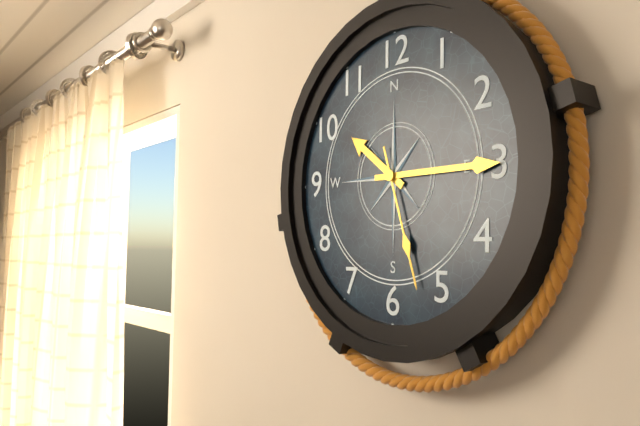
10:15:27
